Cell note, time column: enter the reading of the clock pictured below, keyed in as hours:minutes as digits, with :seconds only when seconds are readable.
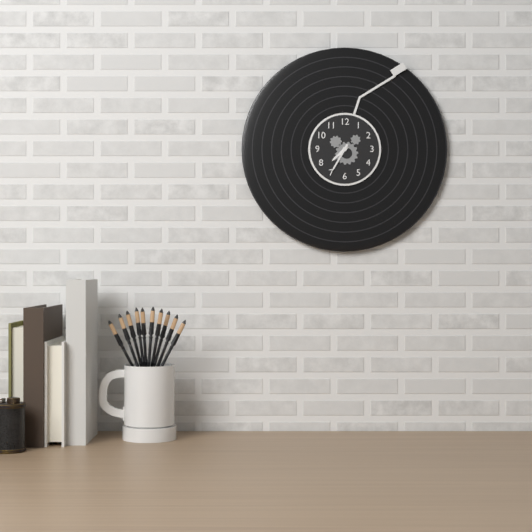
7:35
